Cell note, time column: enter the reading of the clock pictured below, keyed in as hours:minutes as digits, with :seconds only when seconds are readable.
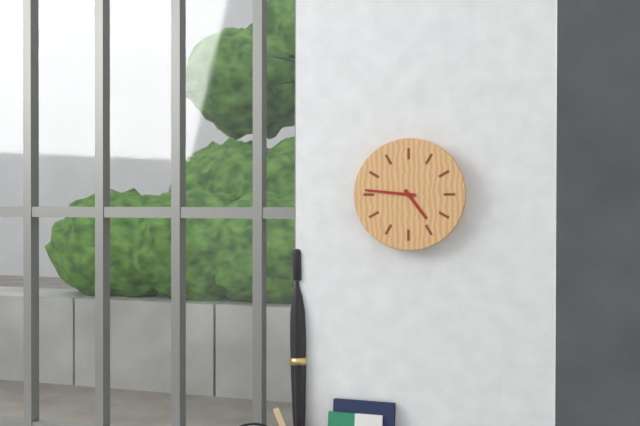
4:46
